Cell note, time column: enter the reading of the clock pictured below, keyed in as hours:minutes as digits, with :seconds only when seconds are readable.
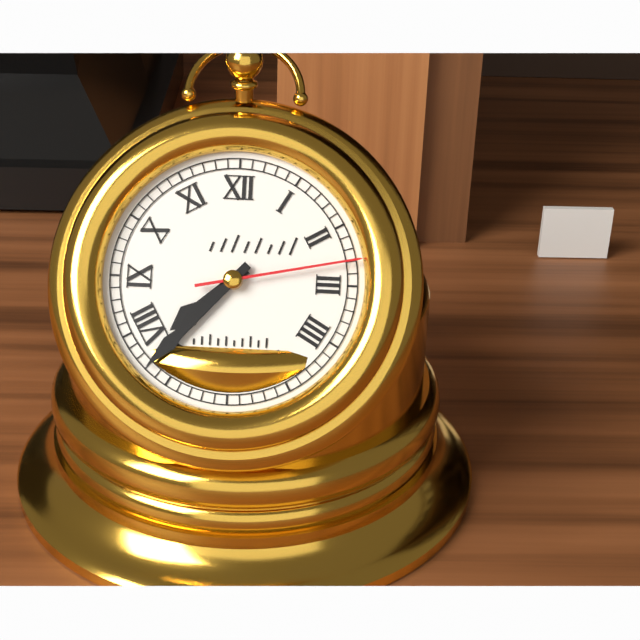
7:37:13
